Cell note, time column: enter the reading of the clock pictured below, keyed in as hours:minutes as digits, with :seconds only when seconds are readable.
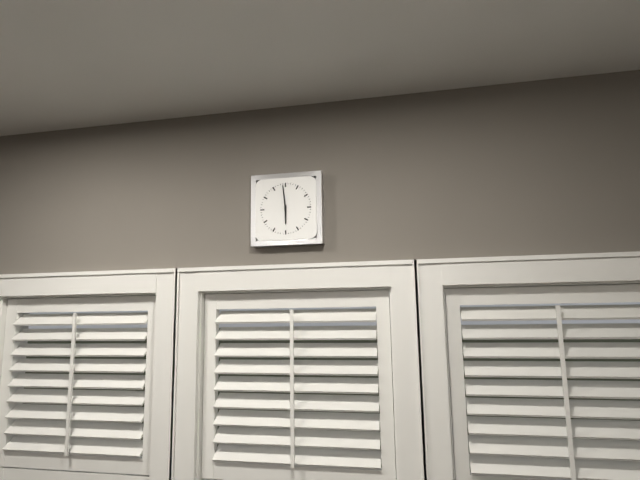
5:59
